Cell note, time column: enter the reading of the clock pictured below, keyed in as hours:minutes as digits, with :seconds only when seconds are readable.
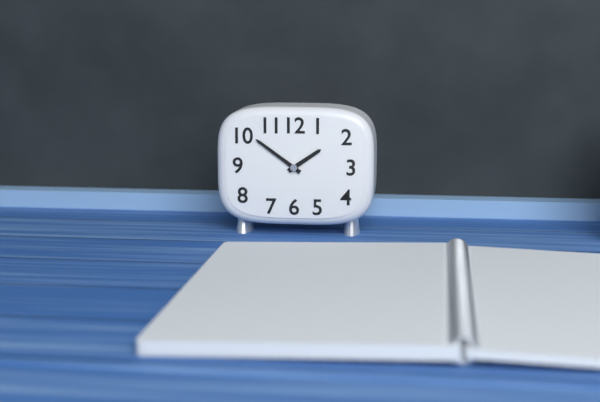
1:51
